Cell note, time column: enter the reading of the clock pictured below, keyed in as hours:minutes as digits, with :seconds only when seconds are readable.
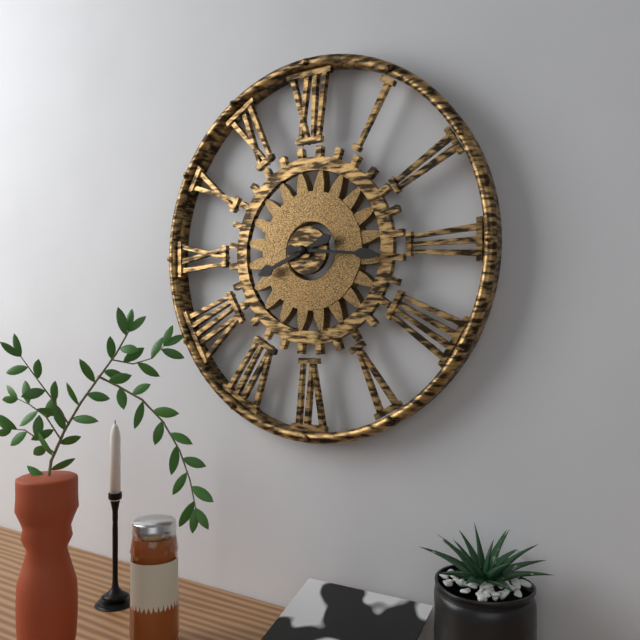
8:16
